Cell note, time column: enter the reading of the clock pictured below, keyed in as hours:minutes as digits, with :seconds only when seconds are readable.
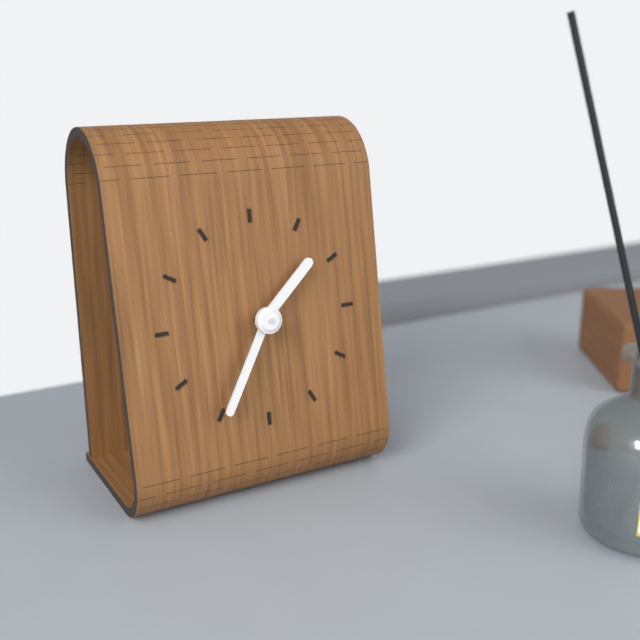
1:35
